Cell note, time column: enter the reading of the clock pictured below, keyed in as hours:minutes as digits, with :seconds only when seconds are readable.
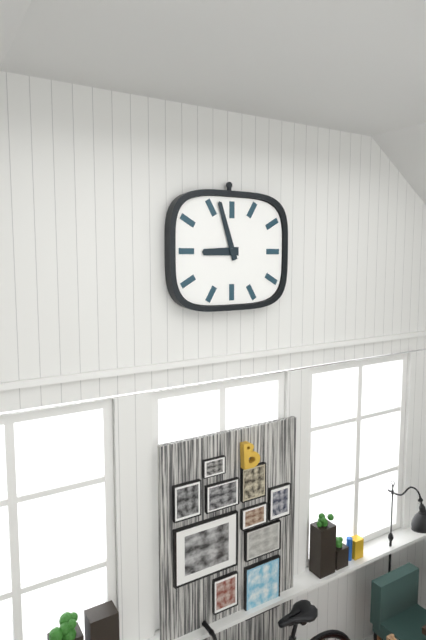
8:57
